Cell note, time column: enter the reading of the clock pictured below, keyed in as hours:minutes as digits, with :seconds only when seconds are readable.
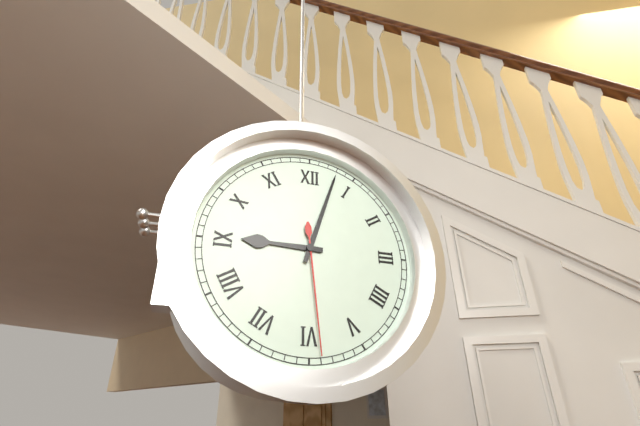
9:03:29
